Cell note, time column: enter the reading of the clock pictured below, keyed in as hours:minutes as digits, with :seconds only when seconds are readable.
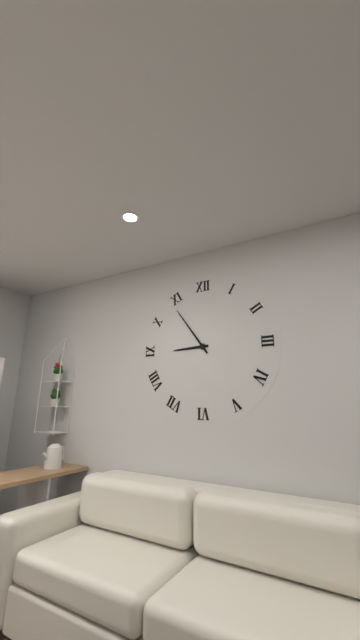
8:54
